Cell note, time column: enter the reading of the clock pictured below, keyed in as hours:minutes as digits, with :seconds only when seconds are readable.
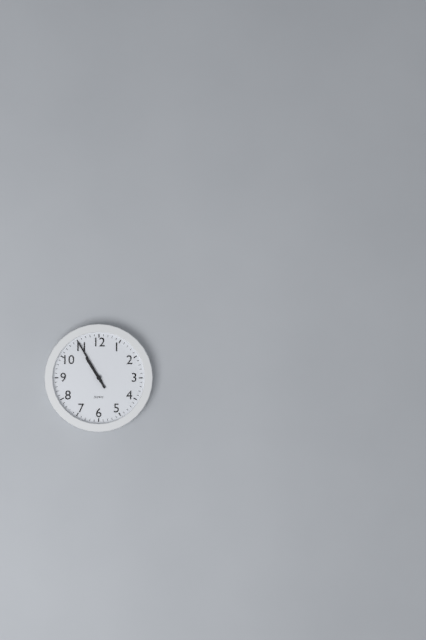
10:55
